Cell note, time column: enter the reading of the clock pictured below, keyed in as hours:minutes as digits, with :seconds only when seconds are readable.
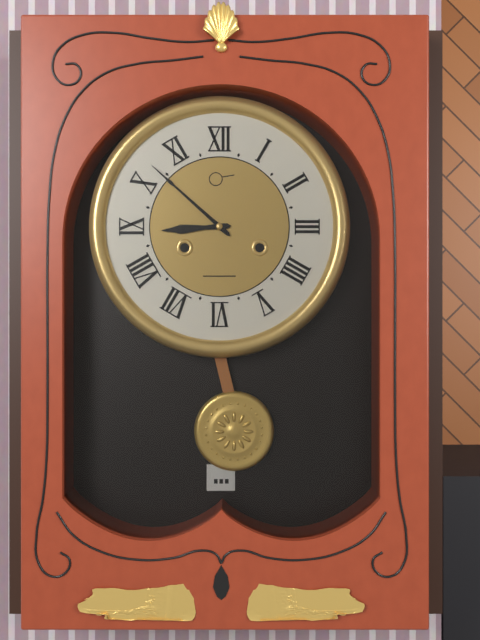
8:52
